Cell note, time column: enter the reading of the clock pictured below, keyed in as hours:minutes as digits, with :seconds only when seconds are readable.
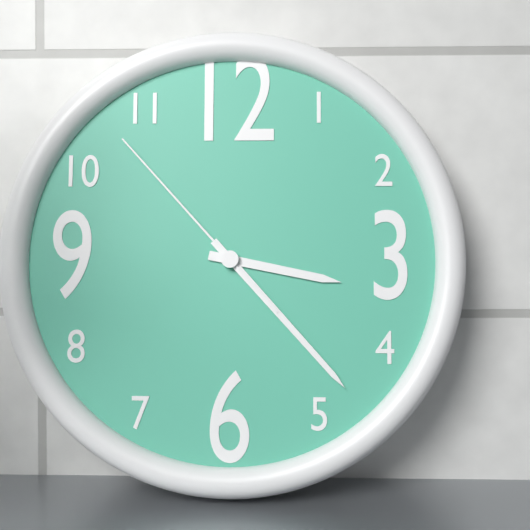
3:23:53
